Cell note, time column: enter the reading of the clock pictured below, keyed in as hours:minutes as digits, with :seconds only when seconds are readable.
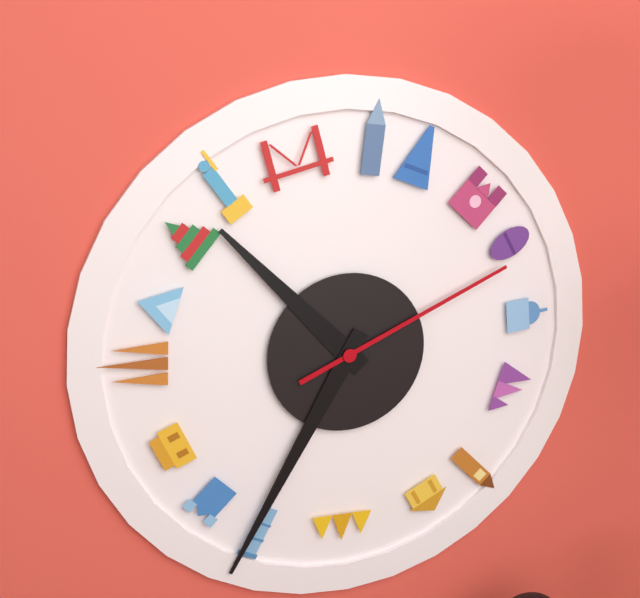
10:35:11
